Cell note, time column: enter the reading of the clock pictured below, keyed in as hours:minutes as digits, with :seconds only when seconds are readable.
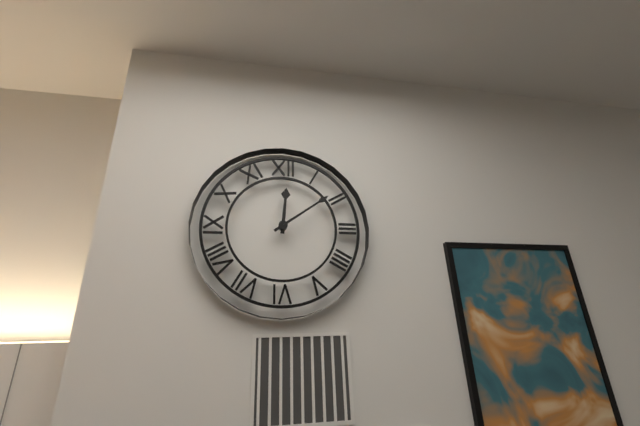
12:09
